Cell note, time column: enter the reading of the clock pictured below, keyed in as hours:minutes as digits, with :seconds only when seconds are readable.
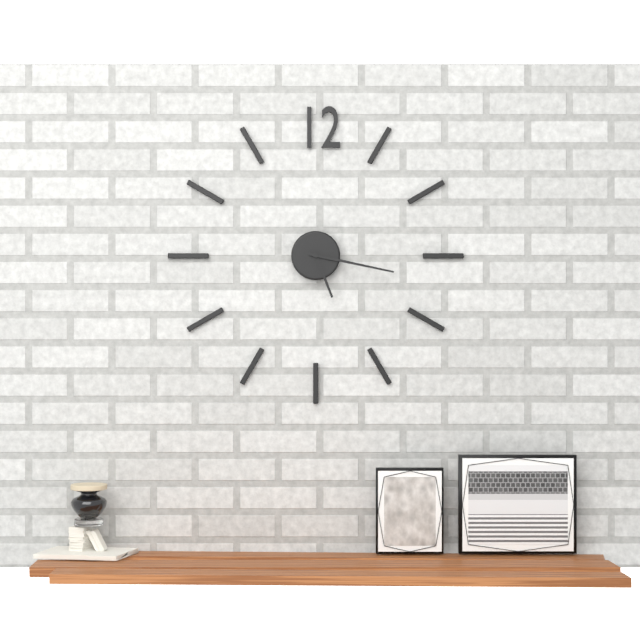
5:17
